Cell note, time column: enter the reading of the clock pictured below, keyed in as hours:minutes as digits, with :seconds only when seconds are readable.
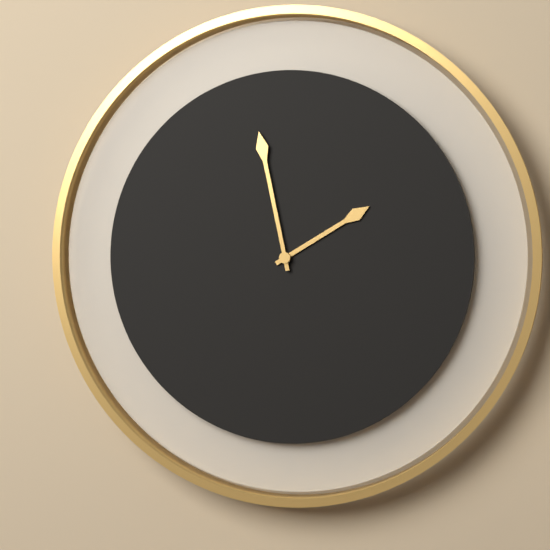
1:58
